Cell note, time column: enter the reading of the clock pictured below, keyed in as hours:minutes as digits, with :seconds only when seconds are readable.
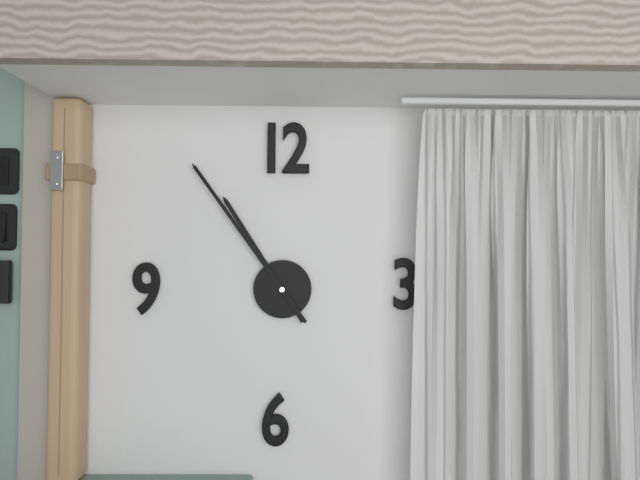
10:54
